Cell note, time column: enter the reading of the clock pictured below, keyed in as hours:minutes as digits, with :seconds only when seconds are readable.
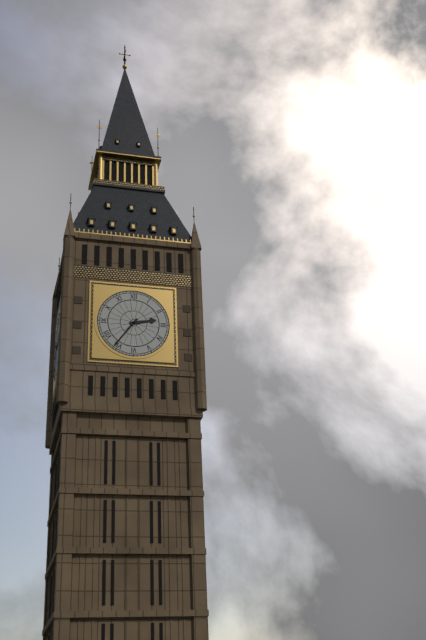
2:36
